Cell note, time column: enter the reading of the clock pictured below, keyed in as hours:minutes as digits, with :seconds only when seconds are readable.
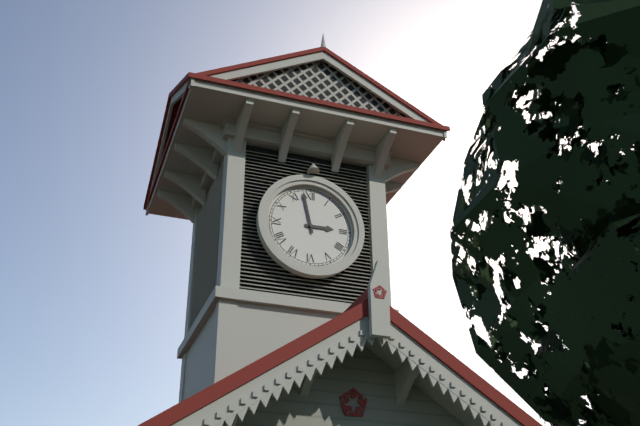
2:58
